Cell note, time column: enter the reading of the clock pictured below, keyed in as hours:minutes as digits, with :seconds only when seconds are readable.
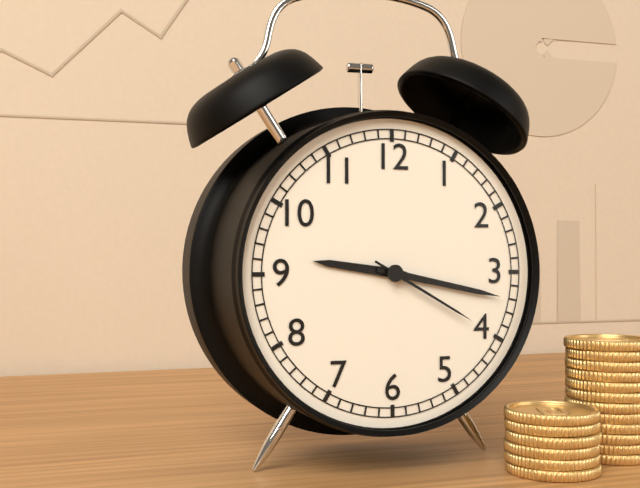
9:17:20
